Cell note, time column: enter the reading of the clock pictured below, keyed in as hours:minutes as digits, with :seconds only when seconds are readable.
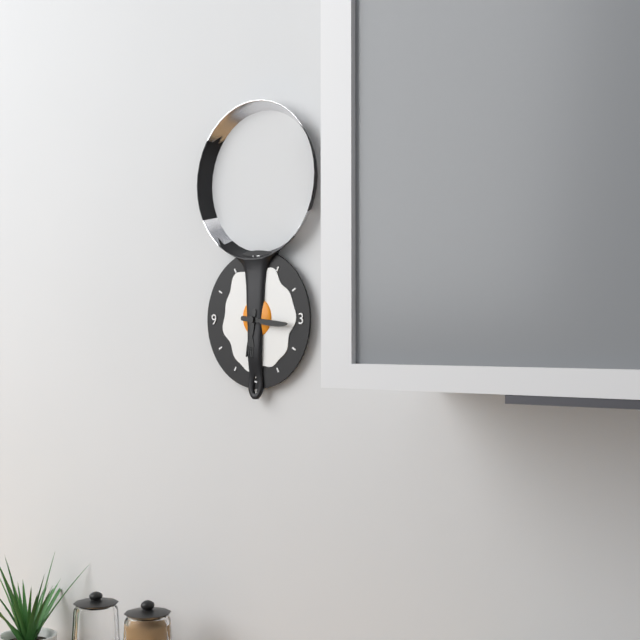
6:16
